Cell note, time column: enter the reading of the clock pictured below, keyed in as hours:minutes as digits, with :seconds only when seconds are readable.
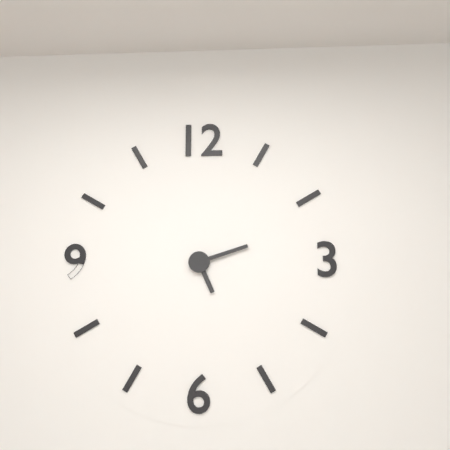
5:12
